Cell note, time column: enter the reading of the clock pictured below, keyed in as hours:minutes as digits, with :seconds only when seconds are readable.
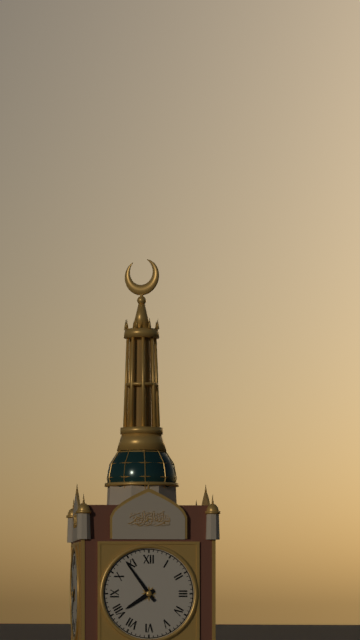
7:54
